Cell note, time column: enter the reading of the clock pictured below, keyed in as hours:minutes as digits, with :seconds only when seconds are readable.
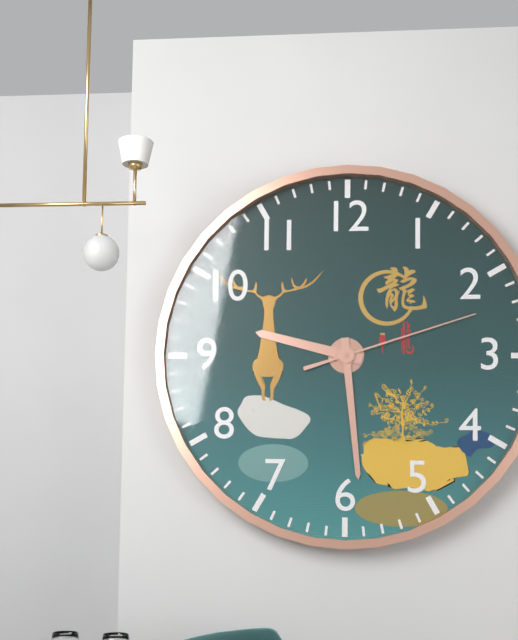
9:29:12
